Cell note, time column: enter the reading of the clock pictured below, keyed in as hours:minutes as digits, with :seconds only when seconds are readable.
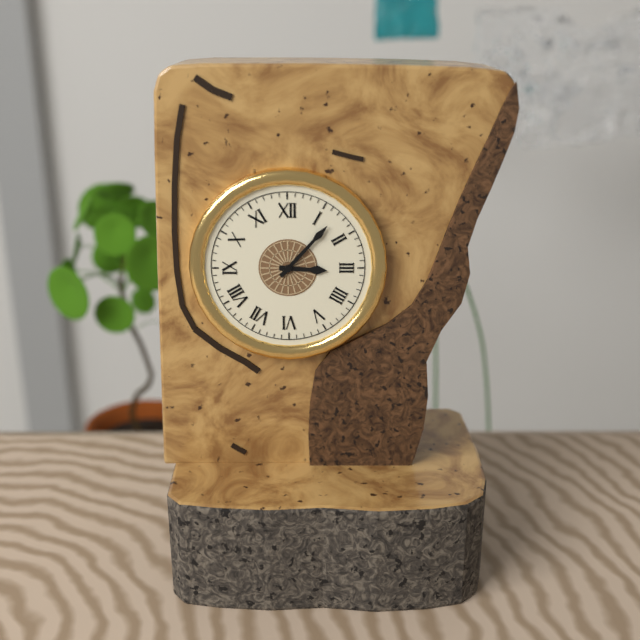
3:07
